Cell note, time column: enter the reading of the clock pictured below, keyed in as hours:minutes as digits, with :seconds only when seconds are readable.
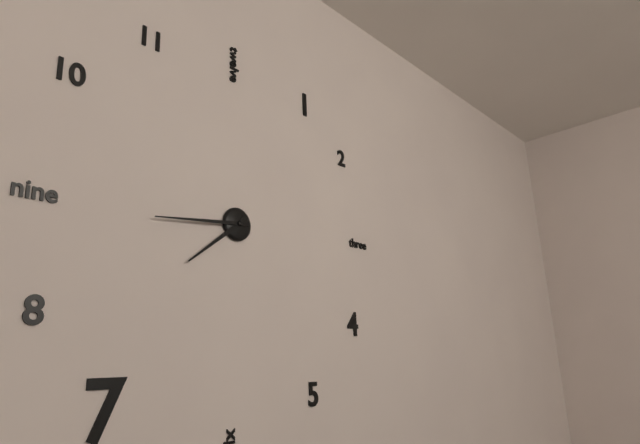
7:44
